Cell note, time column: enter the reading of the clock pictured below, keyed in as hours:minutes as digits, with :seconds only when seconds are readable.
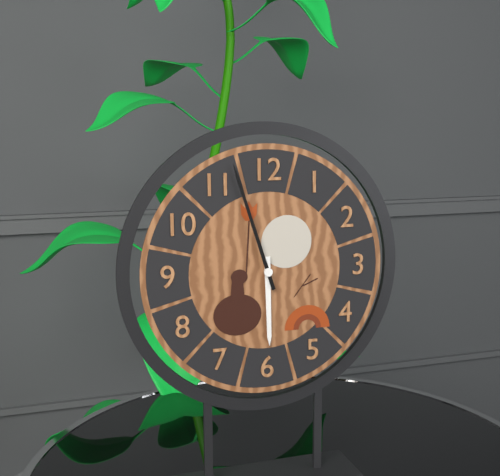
5:57
